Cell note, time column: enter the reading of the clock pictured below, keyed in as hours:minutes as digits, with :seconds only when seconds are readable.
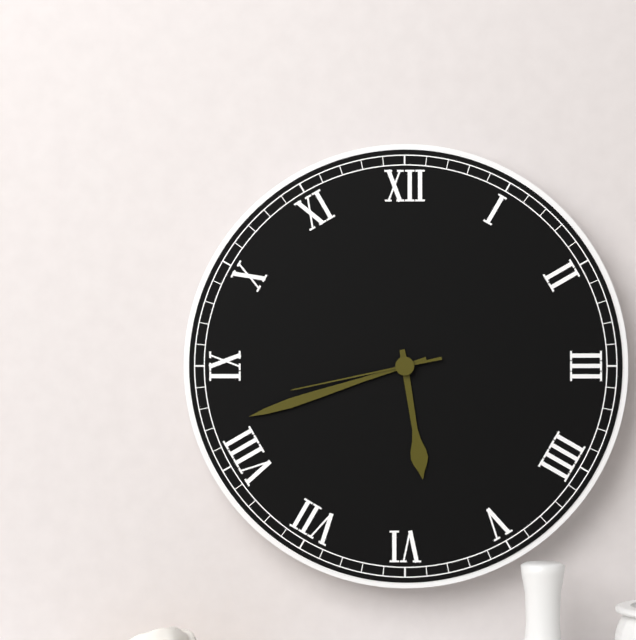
5:42:43
